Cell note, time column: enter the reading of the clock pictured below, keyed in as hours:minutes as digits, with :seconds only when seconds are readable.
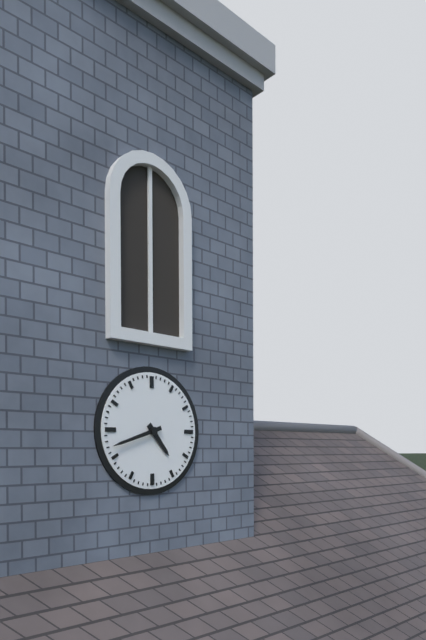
4:42
